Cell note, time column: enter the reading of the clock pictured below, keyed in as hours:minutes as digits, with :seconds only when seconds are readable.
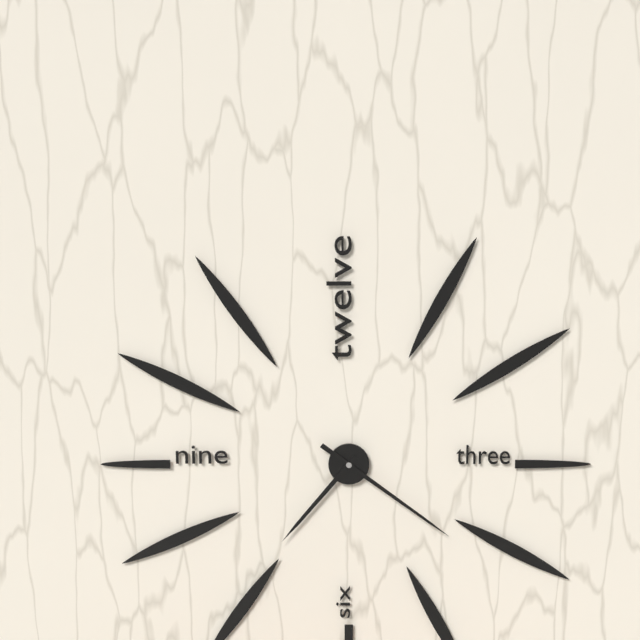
7:21
